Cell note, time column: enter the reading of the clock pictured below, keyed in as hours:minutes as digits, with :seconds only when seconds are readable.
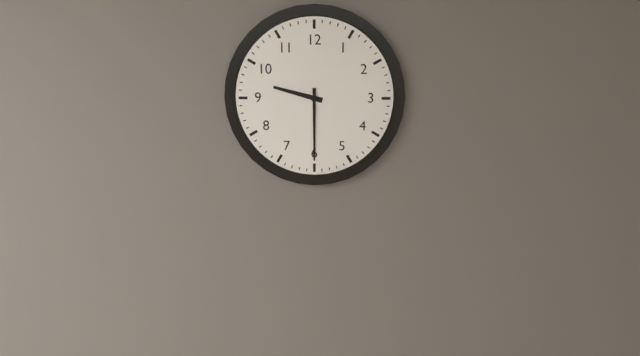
9:30
